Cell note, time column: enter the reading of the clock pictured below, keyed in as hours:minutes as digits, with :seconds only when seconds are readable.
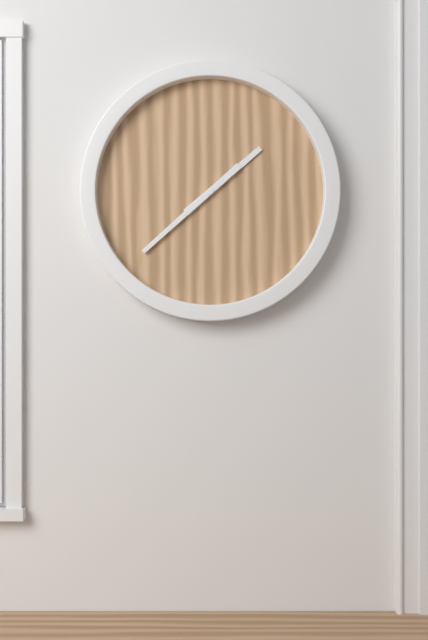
1:38
